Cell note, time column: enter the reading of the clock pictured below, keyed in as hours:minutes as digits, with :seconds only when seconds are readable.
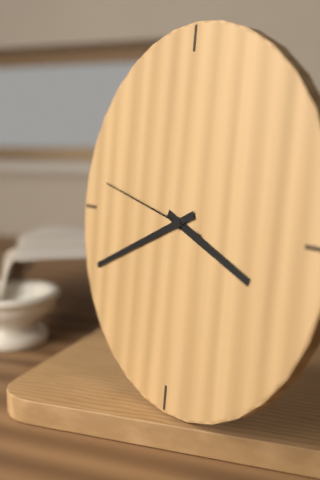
3:41:47
